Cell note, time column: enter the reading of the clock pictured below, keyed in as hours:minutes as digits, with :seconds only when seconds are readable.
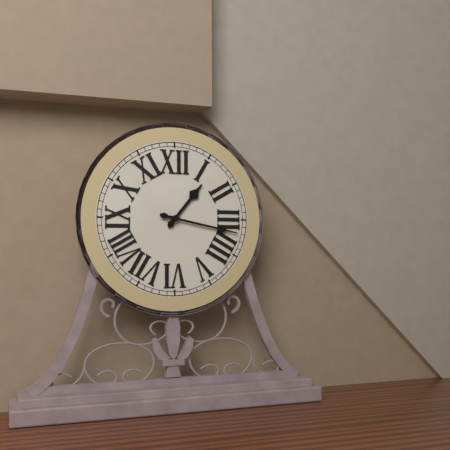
1:17
